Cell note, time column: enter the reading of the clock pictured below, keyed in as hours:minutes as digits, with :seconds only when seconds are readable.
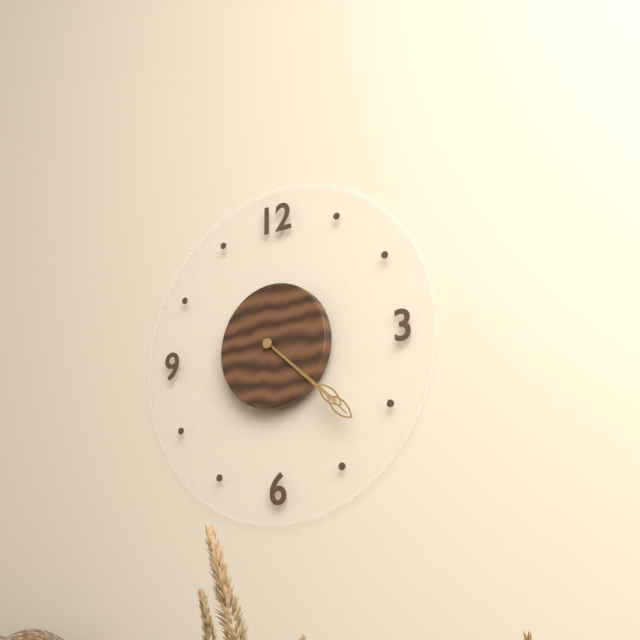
4:22
